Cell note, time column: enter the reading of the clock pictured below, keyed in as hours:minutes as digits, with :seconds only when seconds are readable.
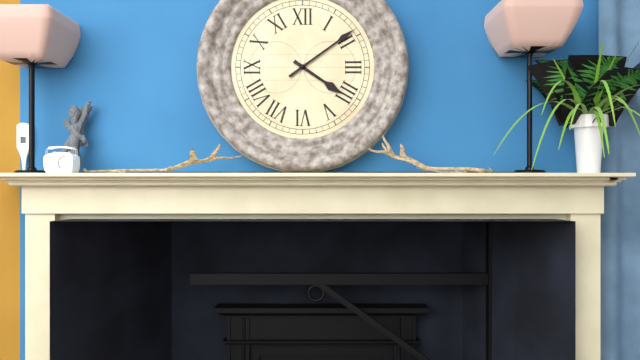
4:09
